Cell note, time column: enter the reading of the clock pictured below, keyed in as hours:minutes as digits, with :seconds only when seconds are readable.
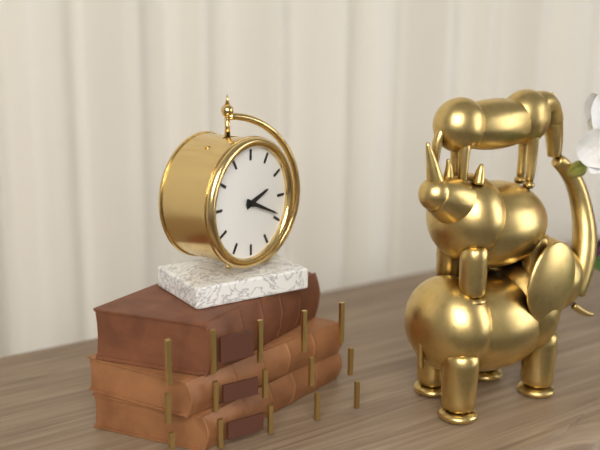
2:19
